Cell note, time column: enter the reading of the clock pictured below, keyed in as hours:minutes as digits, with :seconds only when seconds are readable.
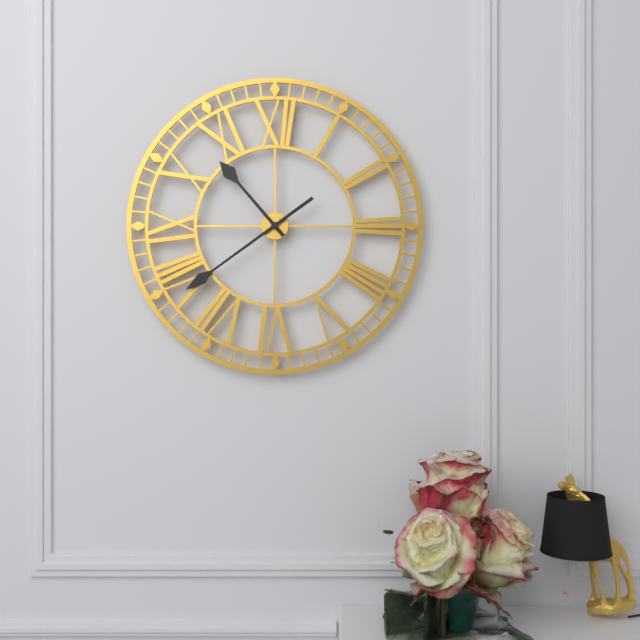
10:39
